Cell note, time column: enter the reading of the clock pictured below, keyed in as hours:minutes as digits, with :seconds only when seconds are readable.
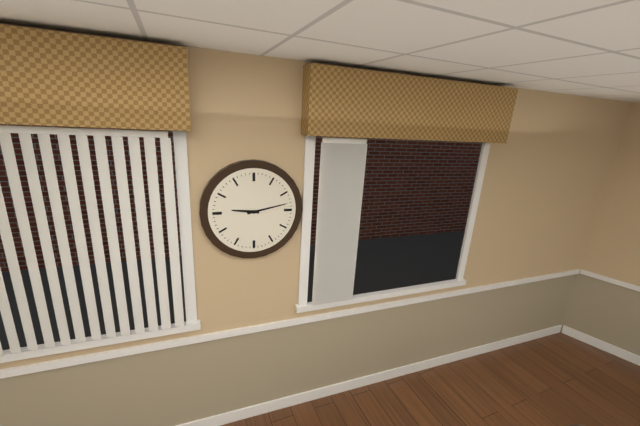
9:13
